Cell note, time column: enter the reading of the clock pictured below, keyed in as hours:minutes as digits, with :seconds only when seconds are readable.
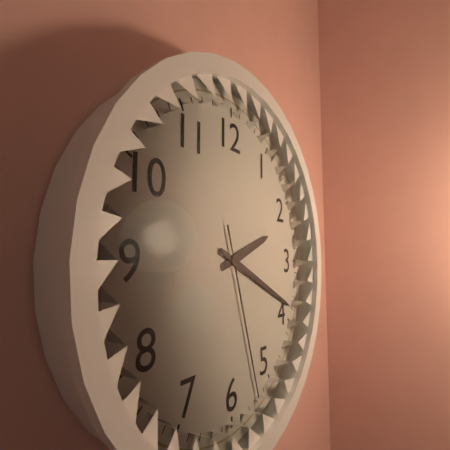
2:19:27
